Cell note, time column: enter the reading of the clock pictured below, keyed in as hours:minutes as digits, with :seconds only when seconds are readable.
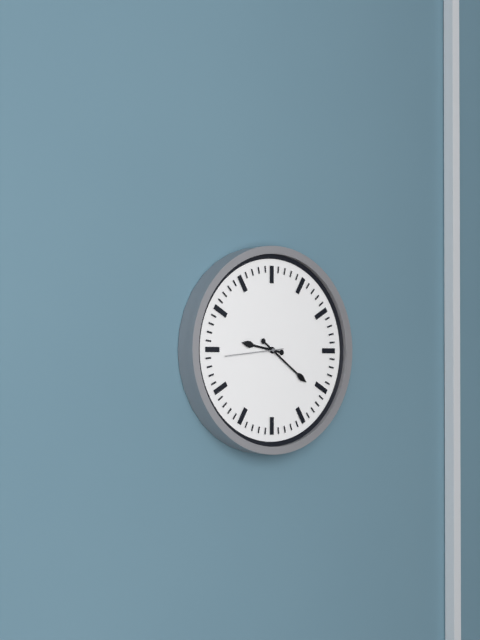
9:21:44
